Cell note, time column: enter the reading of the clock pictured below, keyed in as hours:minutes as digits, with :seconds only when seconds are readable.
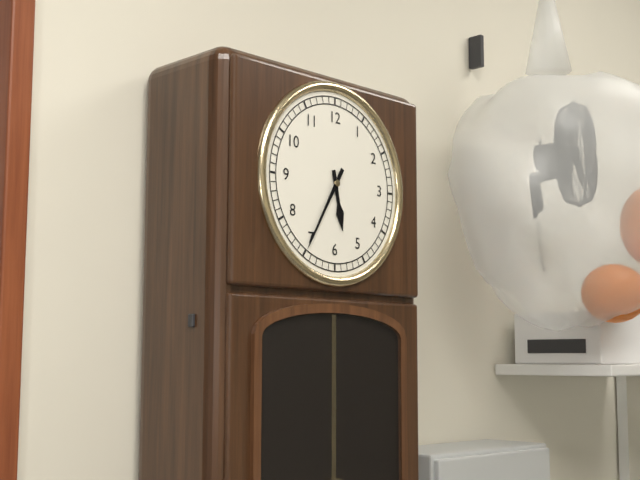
5:35
